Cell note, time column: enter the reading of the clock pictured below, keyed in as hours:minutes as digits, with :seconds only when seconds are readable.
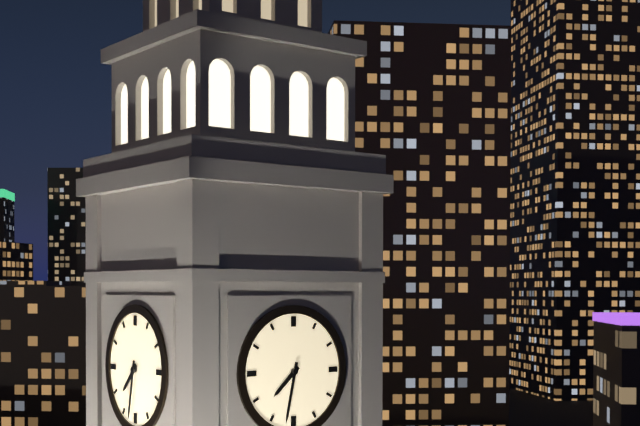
7:32
